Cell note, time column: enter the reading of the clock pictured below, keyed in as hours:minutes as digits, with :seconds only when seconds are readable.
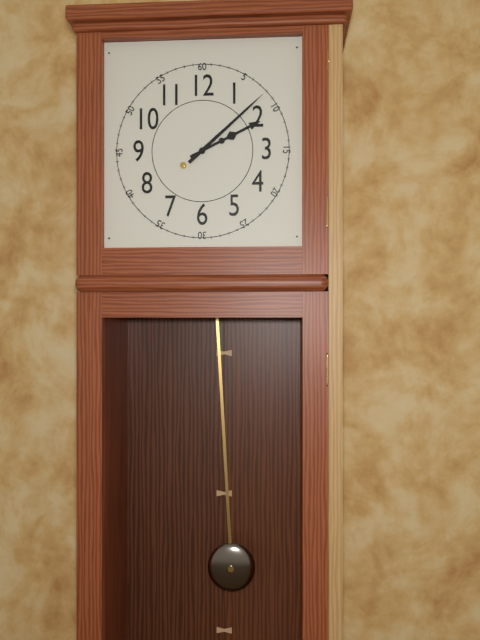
2:08
